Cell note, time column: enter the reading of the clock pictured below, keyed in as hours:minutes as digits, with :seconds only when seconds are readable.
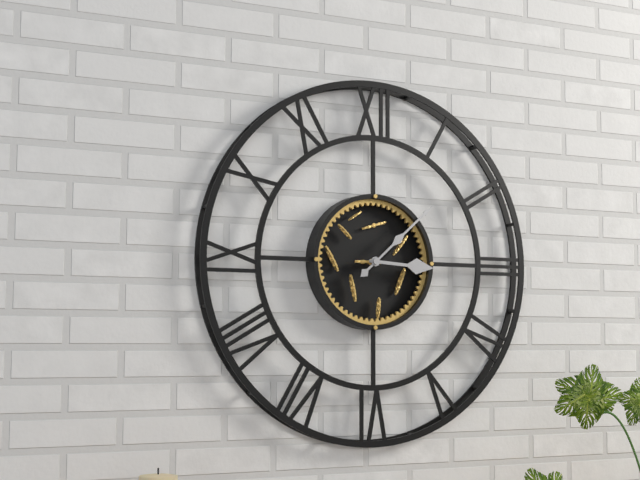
3:08
